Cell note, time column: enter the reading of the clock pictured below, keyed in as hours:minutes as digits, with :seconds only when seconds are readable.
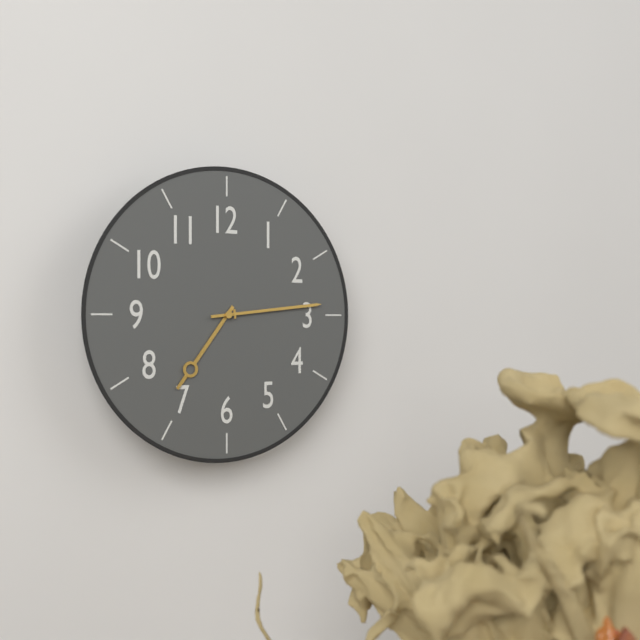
7:14
